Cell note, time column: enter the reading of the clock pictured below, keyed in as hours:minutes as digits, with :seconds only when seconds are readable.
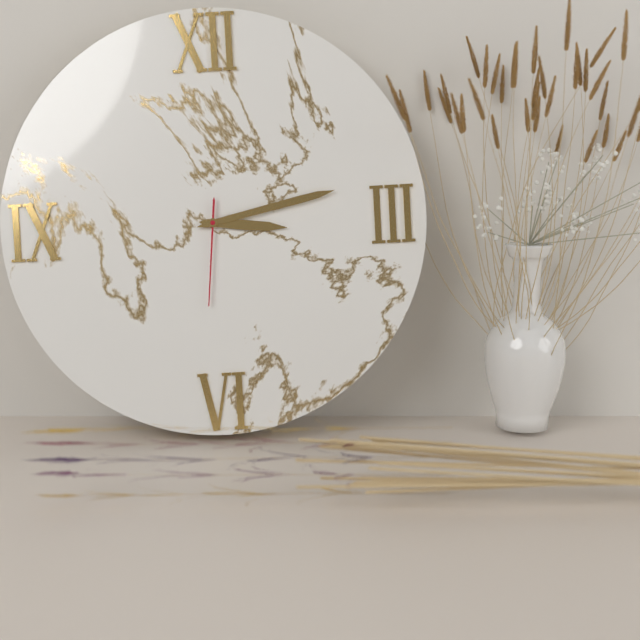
3:13:31
